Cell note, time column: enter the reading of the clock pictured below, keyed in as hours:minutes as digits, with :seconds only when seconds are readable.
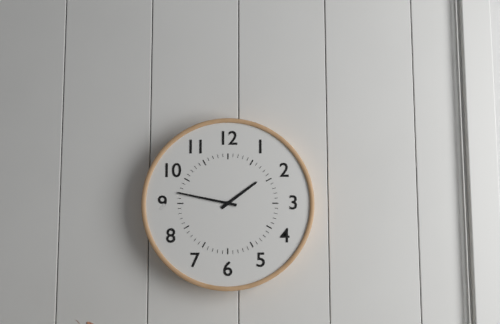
1:47
